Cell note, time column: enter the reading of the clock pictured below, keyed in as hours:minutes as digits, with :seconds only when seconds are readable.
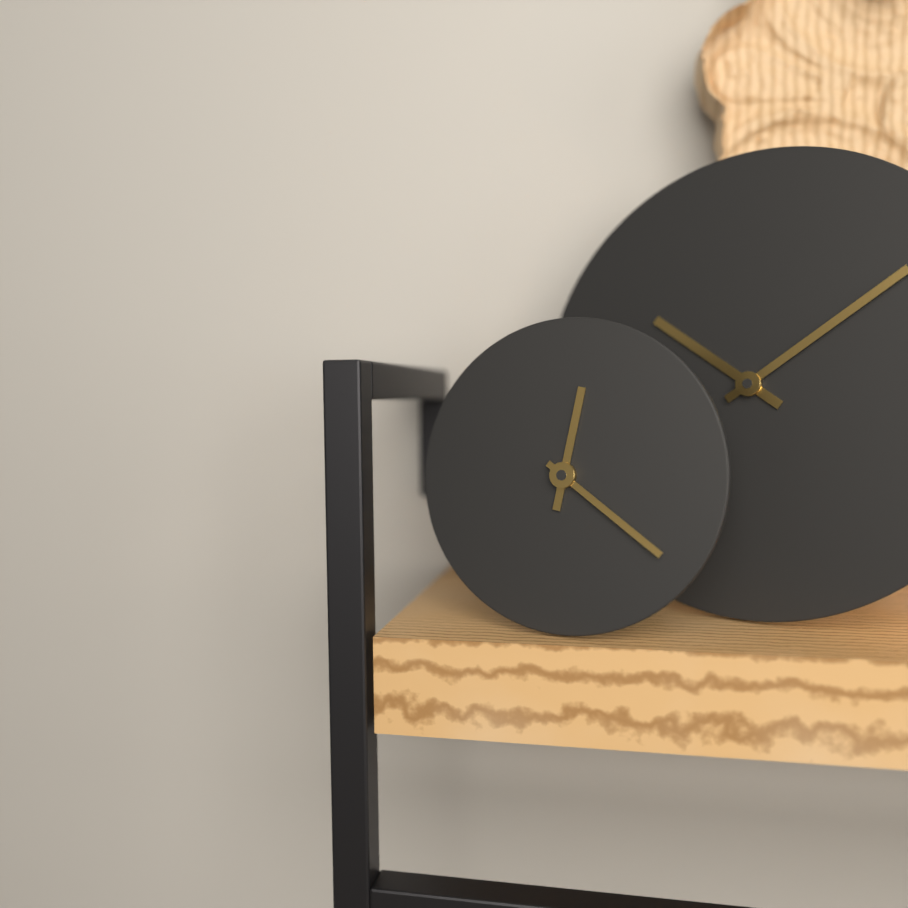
12:21
